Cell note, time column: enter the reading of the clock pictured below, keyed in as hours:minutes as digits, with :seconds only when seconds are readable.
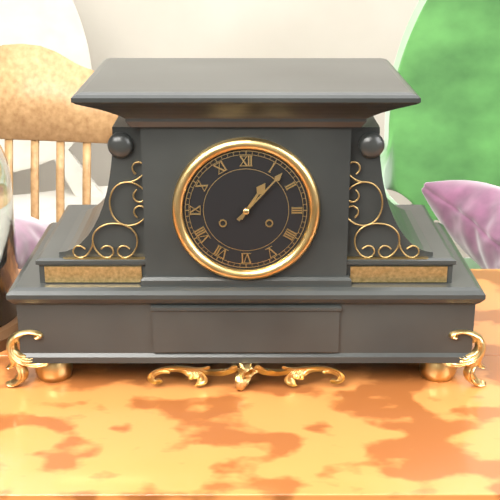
1:07
